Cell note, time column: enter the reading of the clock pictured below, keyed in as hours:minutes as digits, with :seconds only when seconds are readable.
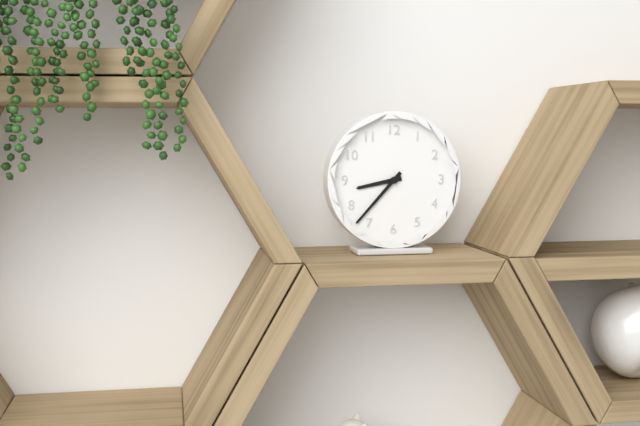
8:37
